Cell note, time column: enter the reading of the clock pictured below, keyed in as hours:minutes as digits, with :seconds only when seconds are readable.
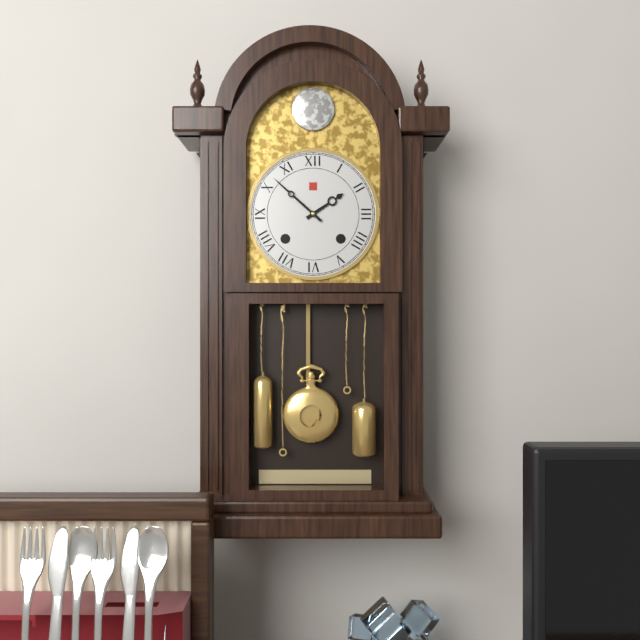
1:52
